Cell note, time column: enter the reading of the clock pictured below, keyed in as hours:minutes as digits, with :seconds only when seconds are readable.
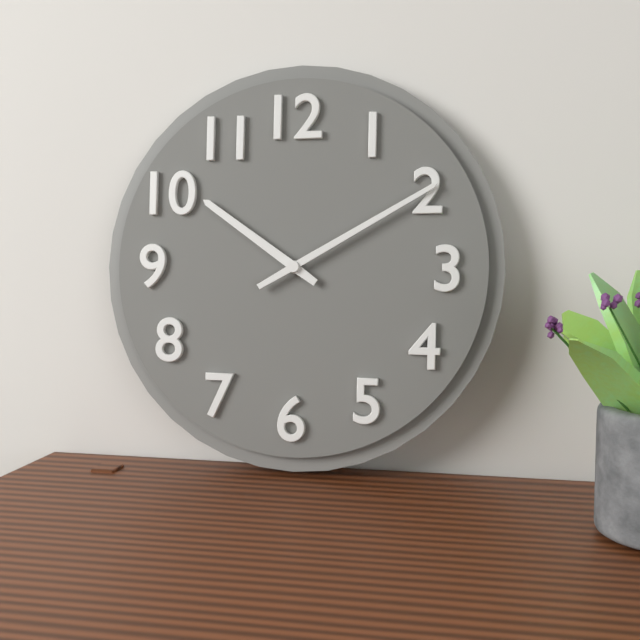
10:10
